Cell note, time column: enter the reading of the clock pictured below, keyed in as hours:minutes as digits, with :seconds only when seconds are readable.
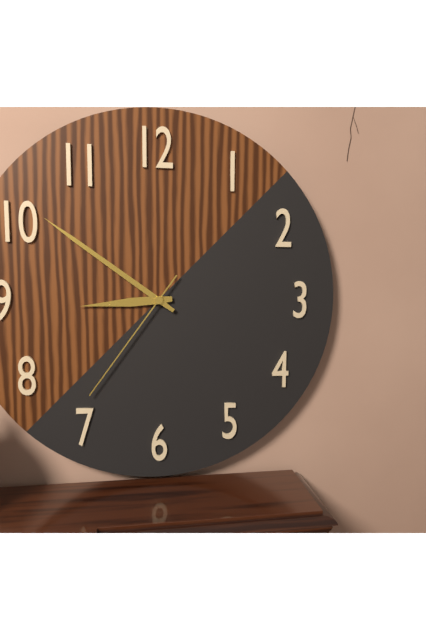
8:51:36
